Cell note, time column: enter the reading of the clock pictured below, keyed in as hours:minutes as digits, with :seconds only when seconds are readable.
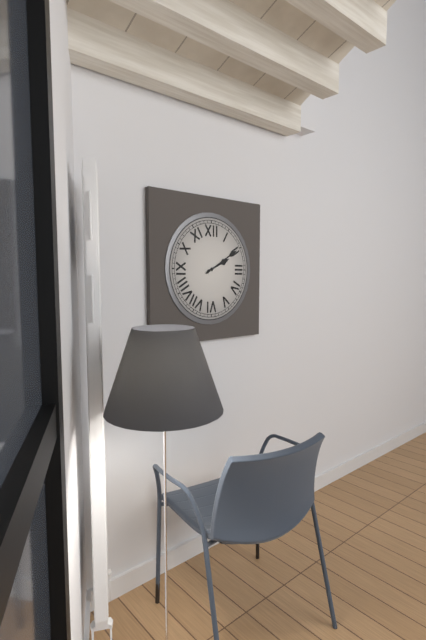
2:10
